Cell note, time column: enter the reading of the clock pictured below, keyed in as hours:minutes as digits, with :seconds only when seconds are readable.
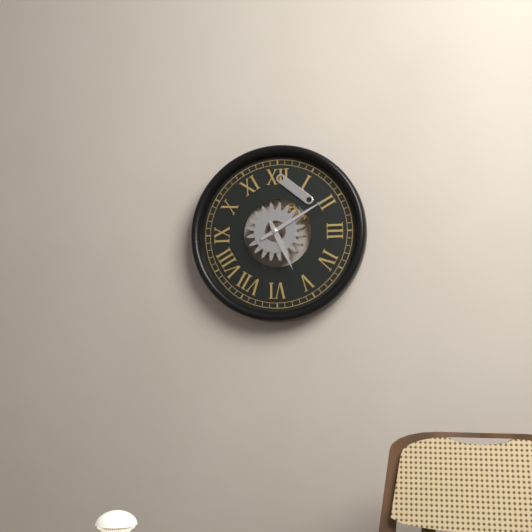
5:10
